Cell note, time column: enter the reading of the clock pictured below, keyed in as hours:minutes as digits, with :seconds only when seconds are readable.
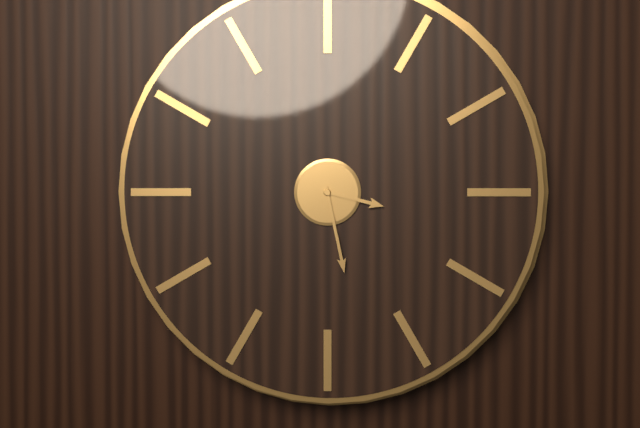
3:28
